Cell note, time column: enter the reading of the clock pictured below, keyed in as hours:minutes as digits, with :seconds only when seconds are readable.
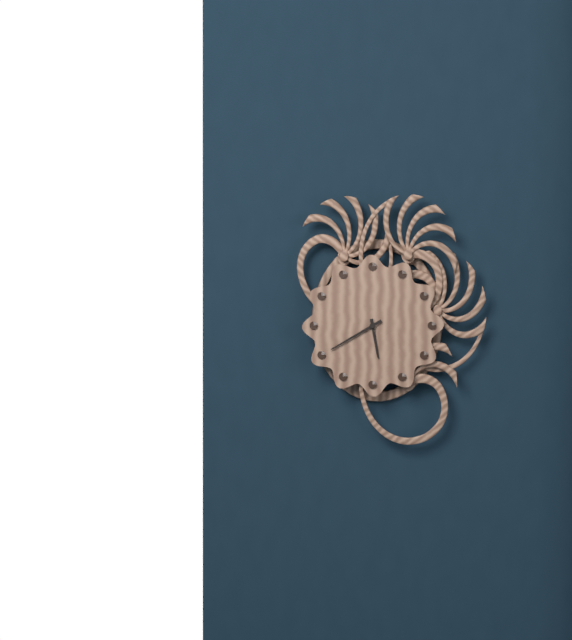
5:40
